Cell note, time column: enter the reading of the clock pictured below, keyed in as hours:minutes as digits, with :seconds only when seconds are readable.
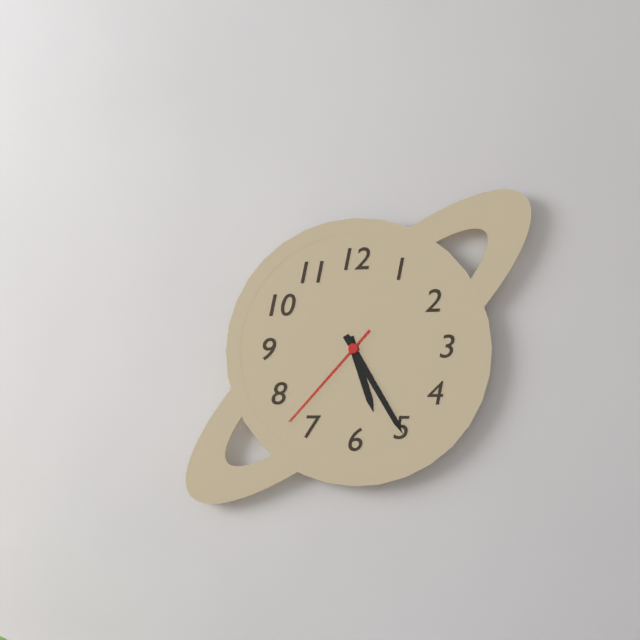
5:25:37
